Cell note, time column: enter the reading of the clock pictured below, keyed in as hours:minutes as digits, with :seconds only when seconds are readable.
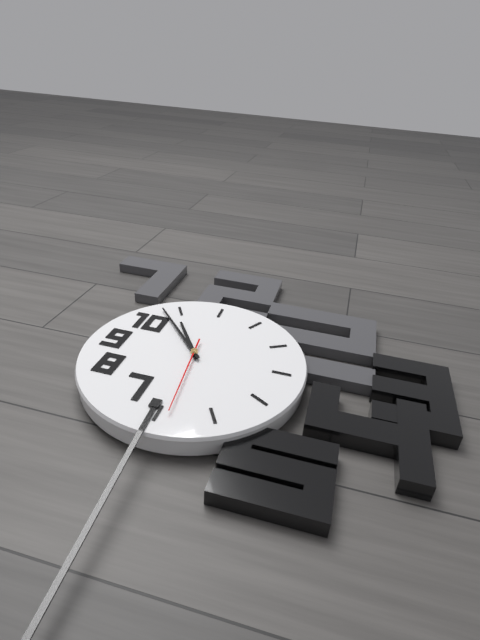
10:53:29
